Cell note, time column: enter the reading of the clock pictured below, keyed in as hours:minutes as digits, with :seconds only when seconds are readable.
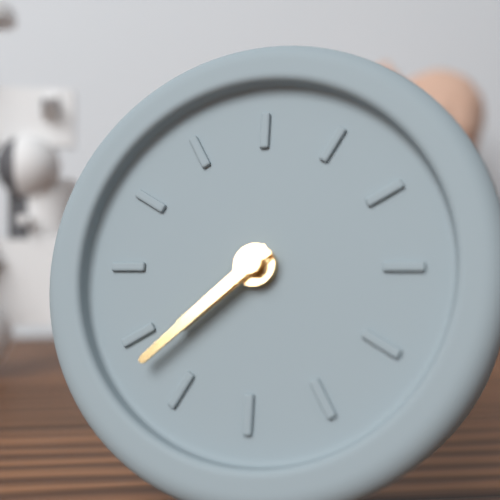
7:38
